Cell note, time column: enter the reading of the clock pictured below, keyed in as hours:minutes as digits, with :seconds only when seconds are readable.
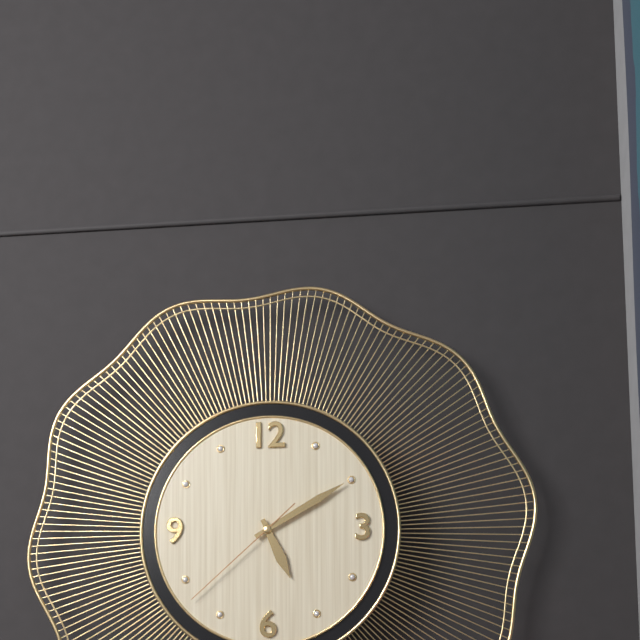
5:10:38
